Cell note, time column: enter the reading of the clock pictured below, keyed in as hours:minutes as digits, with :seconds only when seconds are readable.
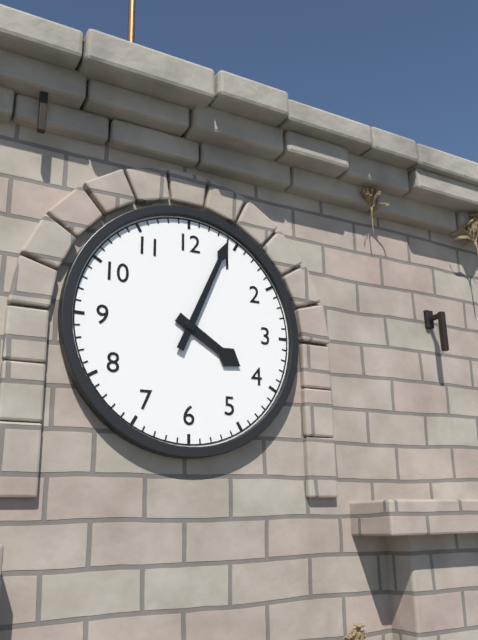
4:04
